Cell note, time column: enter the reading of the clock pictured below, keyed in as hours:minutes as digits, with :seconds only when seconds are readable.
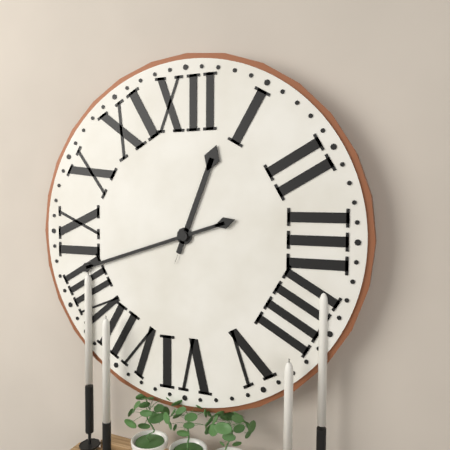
12:42
